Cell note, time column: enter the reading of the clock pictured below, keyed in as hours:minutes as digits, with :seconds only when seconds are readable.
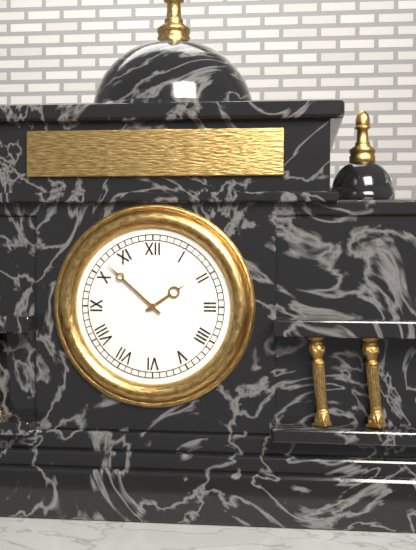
1:52
